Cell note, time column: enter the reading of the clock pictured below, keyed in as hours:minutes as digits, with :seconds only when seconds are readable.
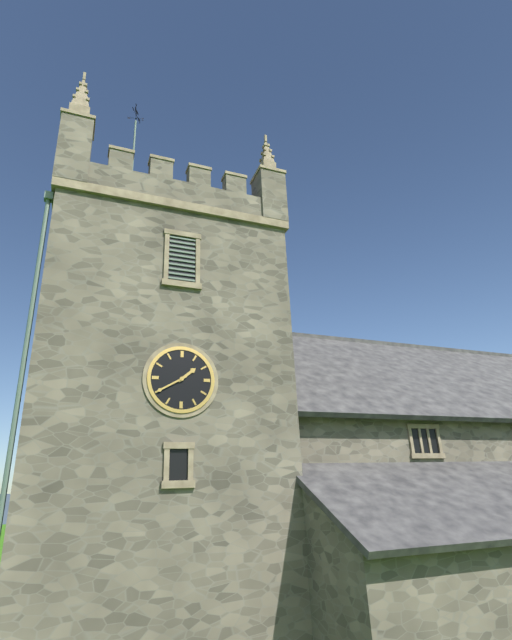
1:40
